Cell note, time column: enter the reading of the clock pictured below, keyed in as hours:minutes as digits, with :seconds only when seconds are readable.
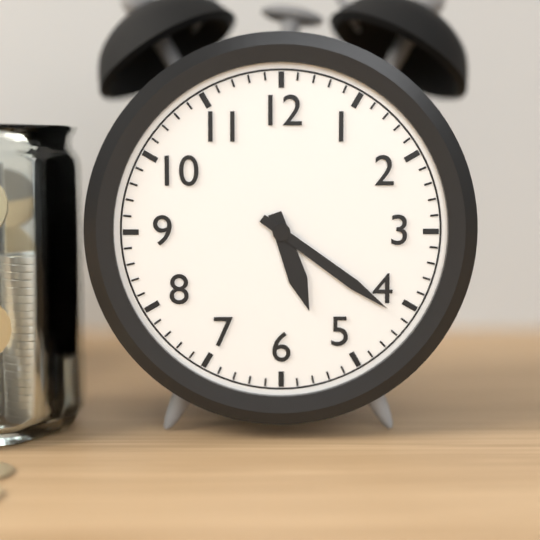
5:21
